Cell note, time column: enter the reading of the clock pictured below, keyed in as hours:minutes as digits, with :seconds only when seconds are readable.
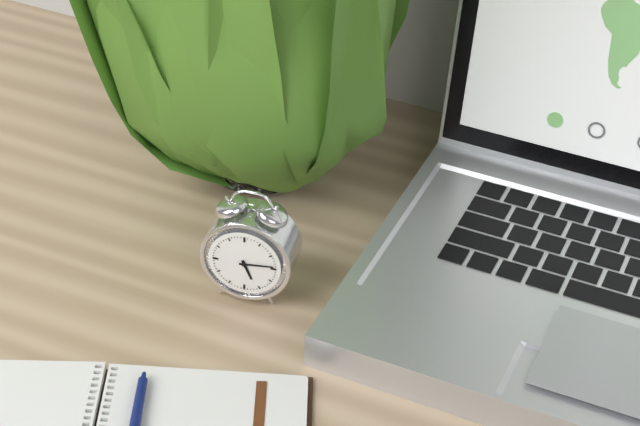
5:14
